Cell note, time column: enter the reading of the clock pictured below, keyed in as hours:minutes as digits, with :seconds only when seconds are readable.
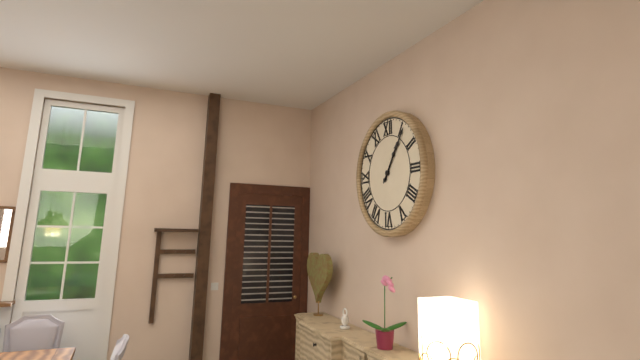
1:06
